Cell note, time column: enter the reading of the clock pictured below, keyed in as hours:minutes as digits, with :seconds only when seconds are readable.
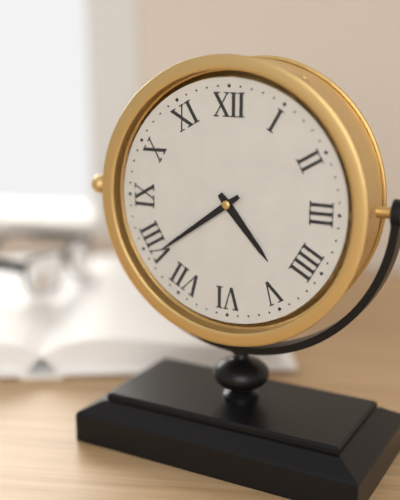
4:39
